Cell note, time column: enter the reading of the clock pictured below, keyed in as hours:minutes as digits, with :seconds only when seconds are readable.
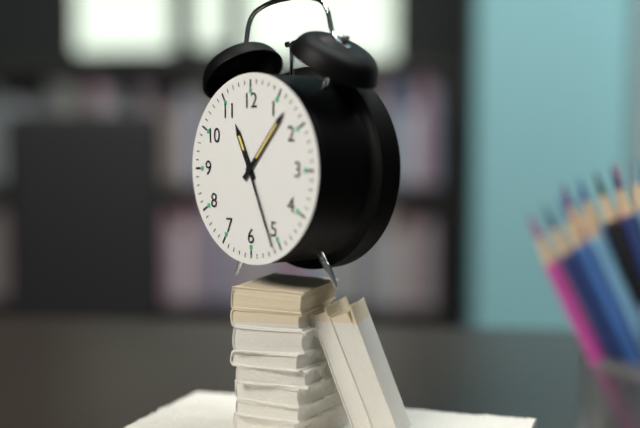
11:07:26
